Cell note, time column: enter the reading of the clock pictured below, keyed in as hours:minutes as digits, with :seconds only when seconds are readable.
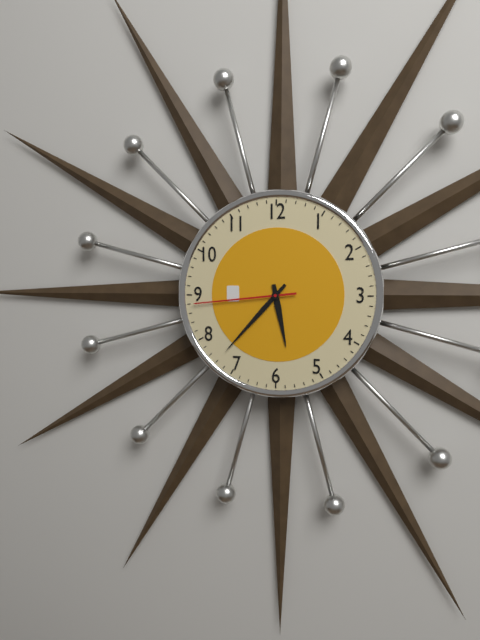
5:37:44
